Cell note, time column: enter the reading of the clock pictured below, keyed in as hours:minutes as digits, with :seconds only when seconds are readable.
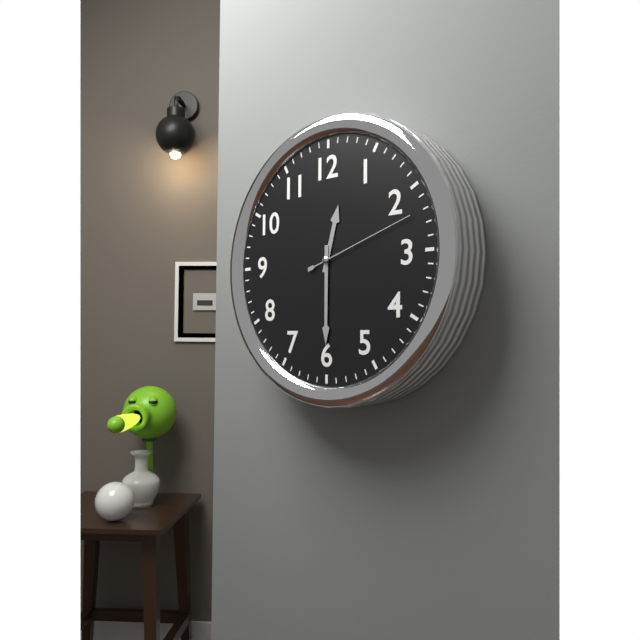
12:30:12
